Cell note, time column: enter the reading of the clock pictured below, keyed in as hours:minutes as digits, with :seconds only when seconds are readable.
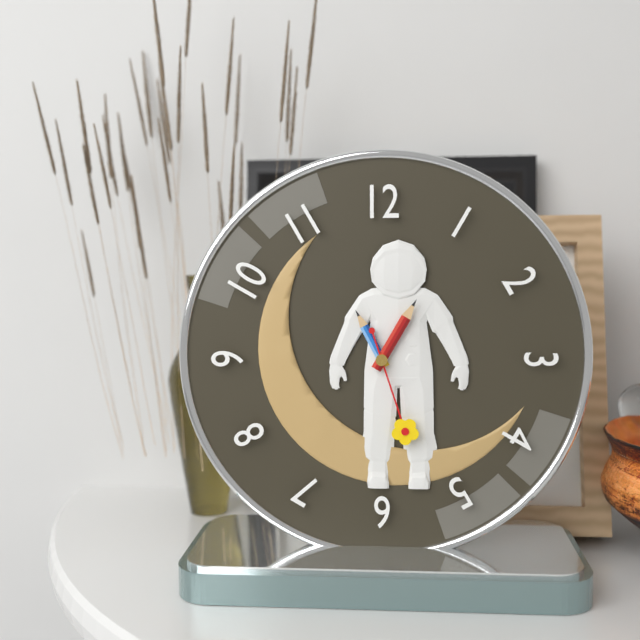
11:05:27
